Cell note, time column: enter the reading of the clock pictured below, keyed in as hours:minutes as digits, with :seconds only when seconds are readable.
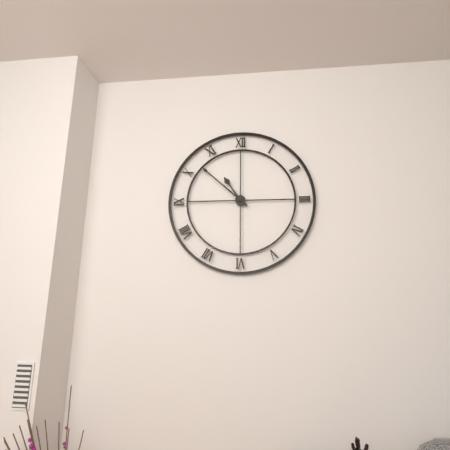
10:52
